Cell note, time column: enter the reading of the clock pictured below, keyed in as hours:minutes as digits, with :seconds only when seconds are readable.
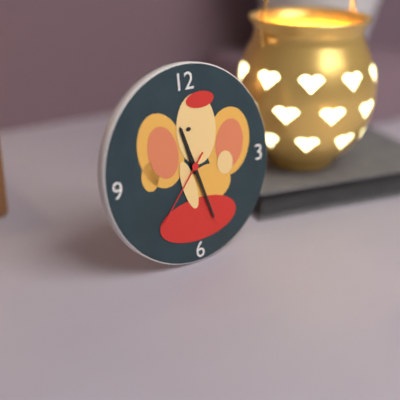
11:27:37
